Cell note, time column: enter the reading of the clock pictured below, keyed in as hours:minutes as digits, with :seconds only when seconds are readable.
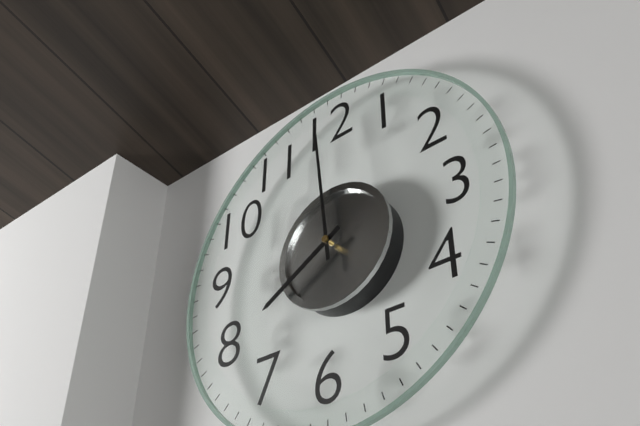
7:59
